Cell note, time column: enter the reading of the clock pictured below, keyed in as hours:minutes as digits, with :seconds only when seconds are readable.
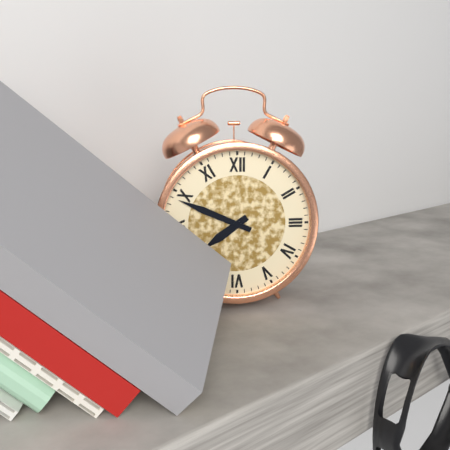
7:49
